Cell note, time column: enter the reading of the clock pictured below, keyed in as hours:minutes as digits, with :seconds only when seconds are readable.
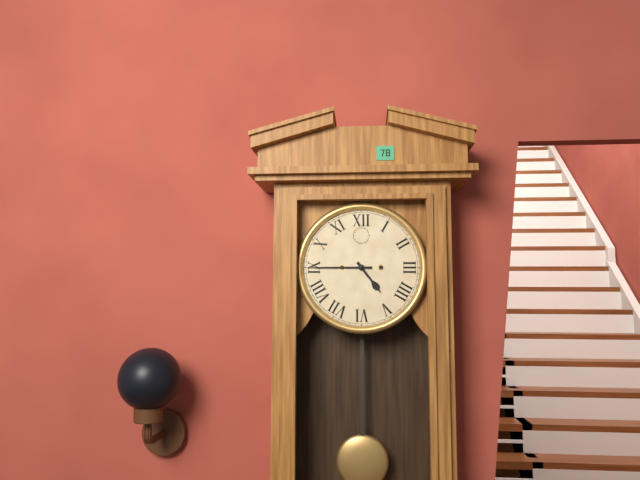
4:45
